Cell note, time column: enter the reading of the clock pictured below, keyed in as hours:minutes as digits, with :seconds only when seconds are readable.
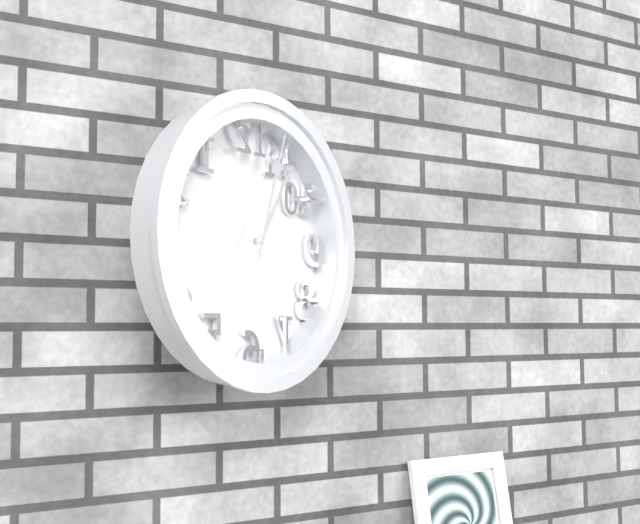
1:03
